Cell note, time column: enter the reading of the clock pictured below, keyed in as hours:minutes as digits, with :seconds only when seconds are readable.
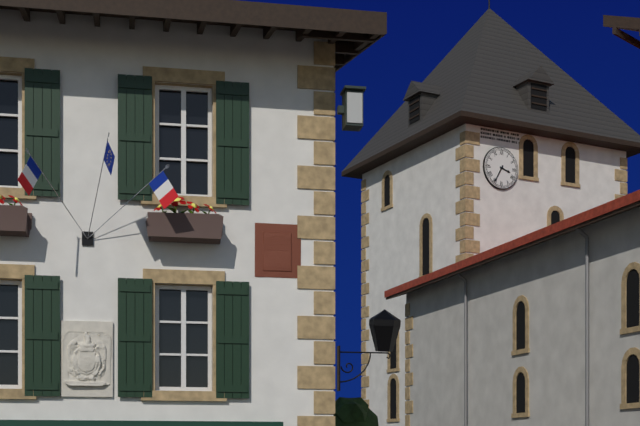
3:35
